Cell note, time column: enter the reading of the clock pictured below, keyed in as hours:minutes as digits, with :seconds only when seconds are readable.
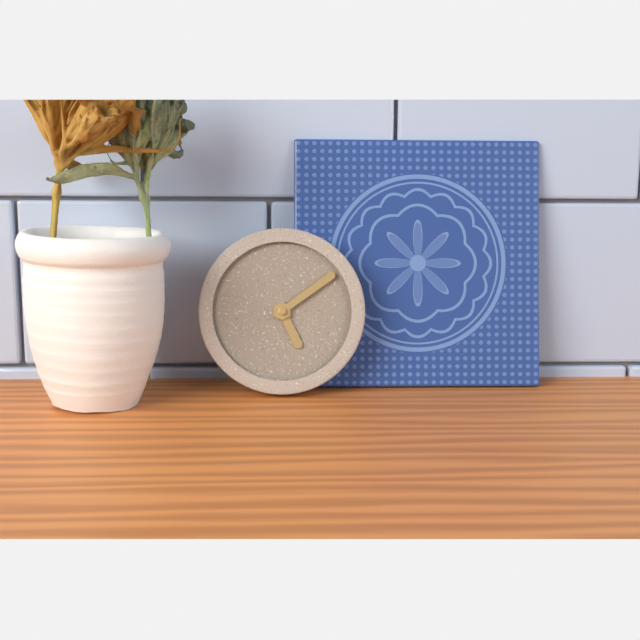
5:09
